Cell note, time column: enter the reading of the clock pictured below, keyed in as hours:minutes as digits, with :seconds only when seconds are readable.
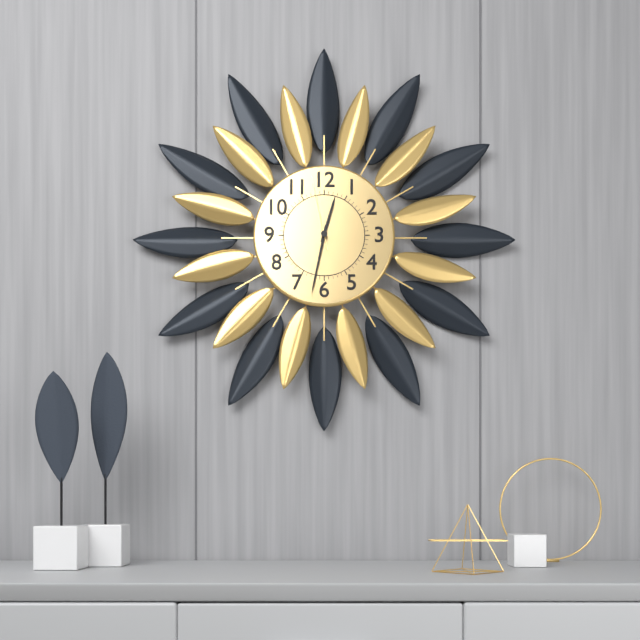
12:32:58
